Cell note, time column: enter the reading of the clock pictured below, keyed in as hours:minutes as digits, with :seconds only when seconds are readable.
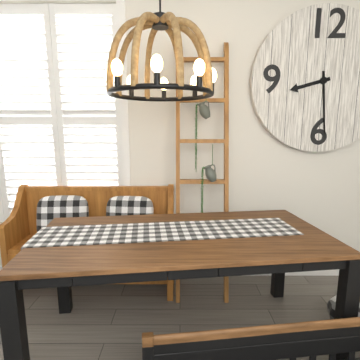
8:29
